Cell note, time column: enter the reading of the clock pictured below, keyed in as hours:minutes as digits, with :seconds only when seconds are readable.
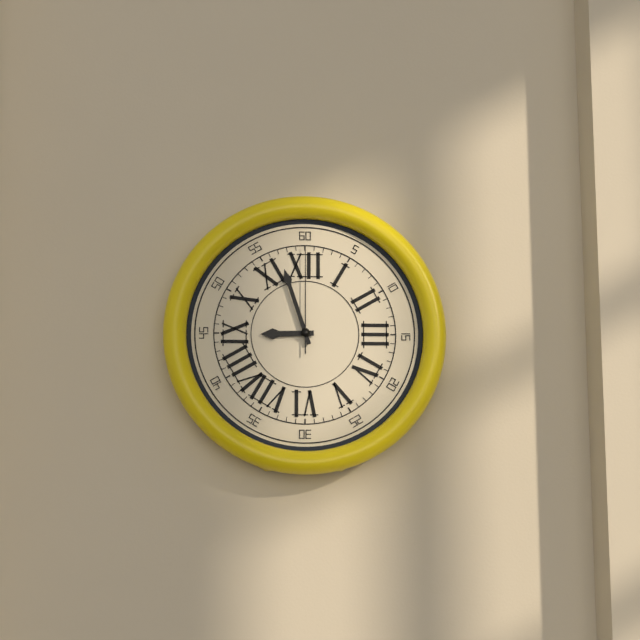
8:57:00
